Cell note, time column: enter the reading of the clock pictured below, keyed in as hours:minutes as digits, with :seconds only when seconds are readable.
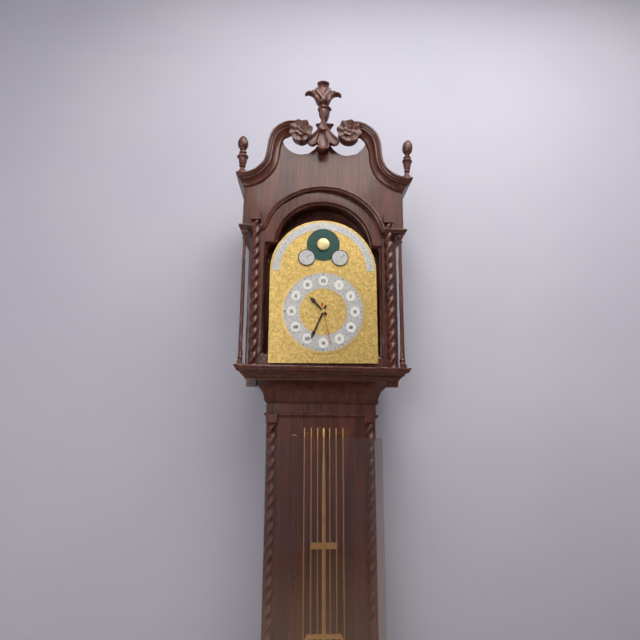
10:34
